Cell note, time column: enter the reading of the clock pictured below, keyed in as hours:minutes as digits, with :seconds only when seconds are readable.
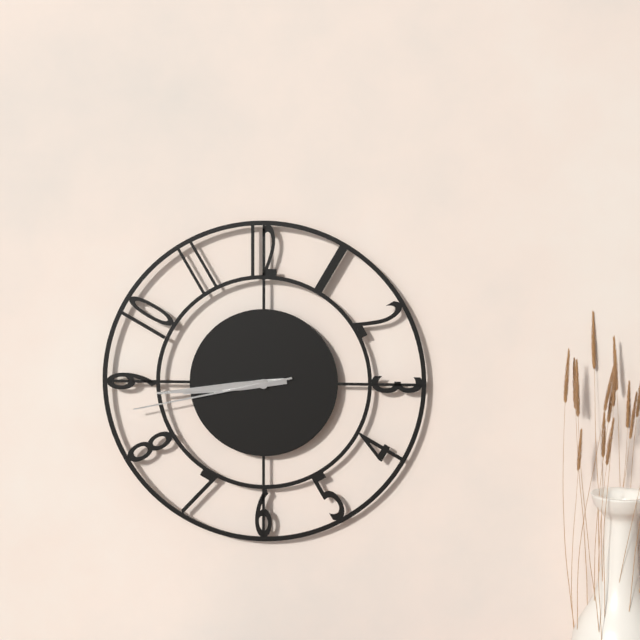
8:44:43
